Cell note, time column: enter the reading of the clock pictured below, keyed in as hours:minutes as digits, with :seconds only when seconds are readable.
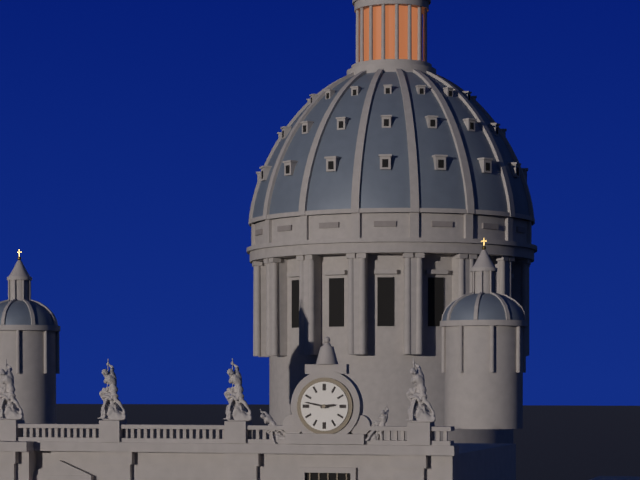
2:47
